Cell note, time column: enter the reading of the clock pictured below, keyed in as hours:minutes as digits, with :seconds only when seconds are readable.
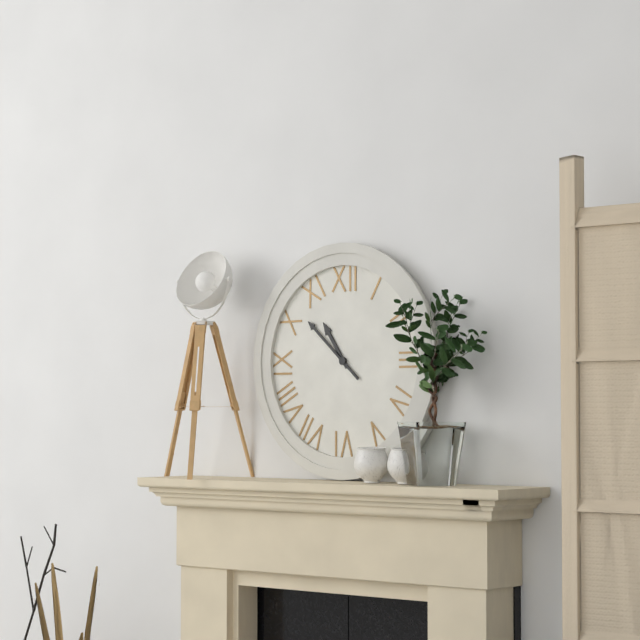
10:52
